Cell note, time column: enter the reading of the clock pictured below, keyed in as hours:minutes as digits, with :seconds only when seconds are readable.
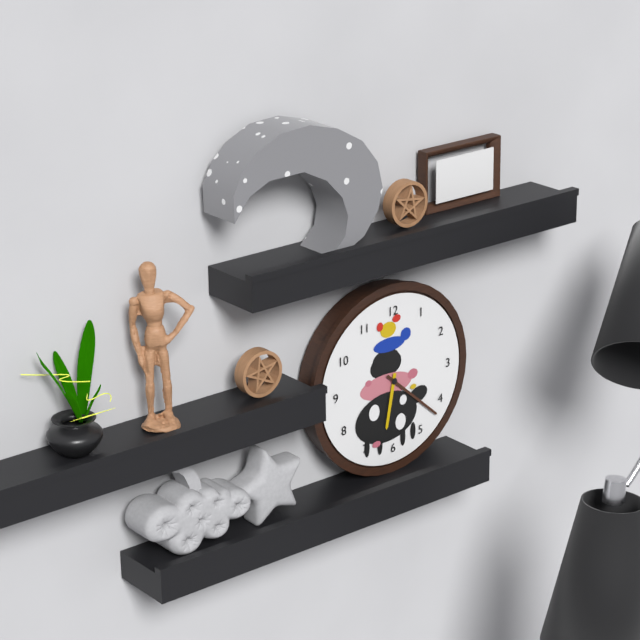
6:22
